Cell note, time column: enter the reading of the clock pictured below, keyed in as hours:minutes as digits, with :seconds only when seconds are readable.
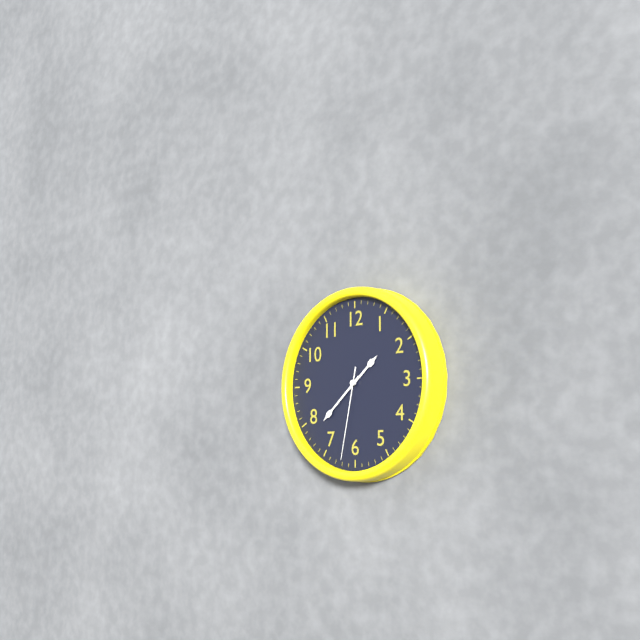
1:38:32
